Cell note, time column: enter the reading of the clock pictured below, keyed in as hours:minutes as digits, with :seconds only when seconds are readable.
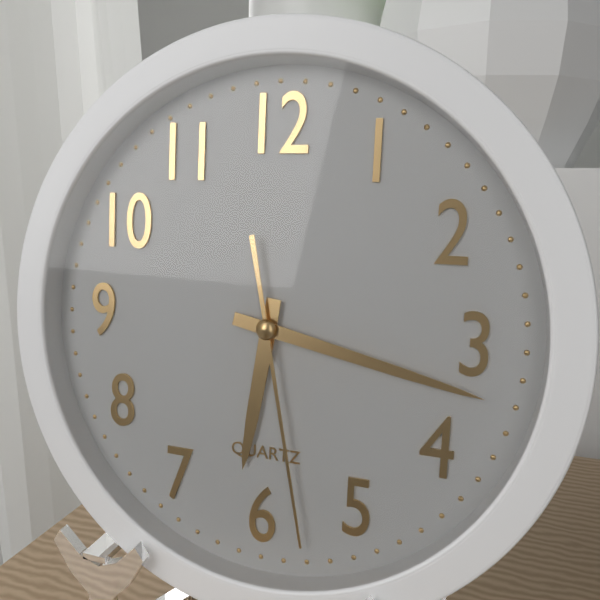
6:17:28
